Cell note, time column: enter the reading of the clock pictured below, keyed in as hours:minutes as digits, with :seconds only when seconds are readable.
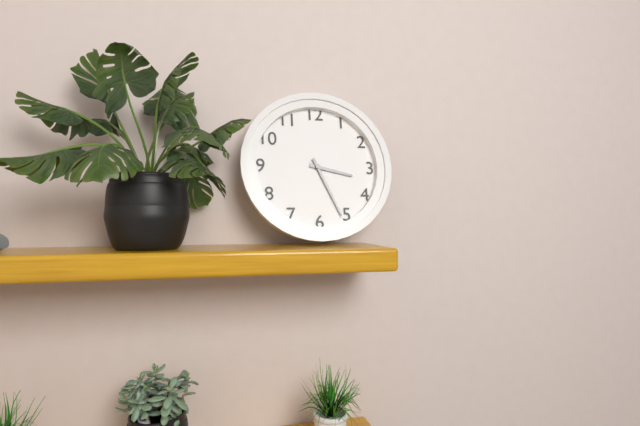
3:26
